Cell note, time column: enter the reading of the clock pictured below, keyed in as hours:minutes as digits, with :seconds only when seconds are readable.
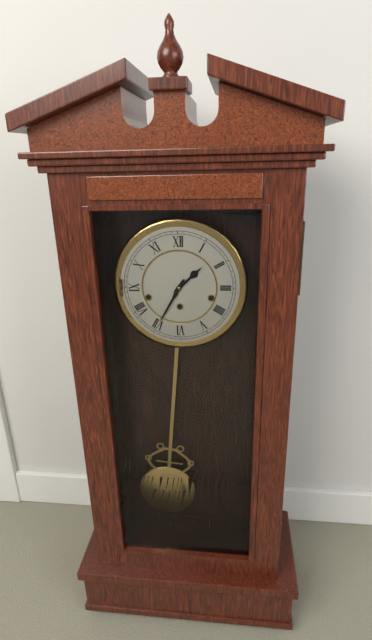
1:35
